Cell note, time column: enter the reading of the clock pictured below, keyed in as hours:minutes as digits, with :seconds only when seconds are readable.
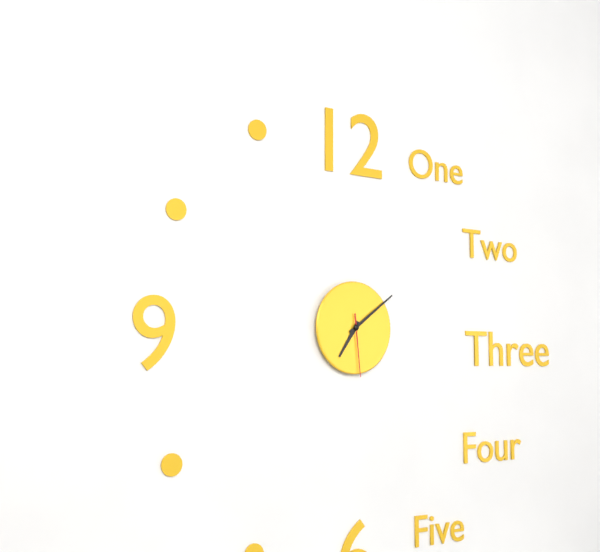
7:09:29
